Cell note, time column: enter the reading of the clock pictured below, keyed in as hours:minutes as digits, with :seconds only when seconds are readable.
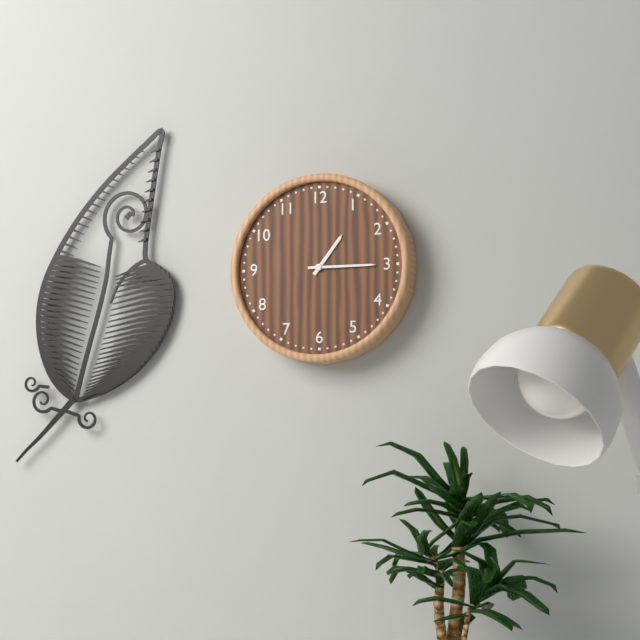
1:15
